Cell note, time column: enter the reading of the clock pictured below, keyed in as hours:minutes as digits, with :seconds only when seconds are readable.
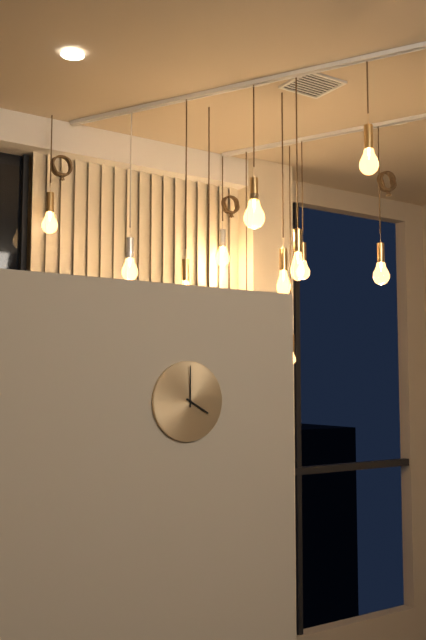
4:00
